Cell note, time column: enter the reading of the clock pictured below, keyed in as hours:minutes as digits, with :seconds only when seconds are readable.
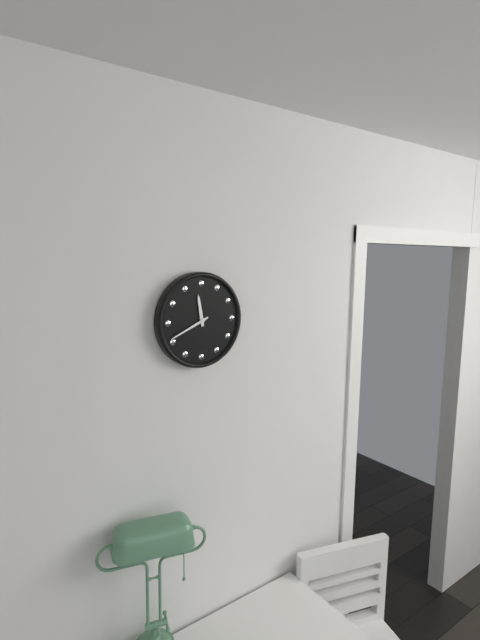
11:41
